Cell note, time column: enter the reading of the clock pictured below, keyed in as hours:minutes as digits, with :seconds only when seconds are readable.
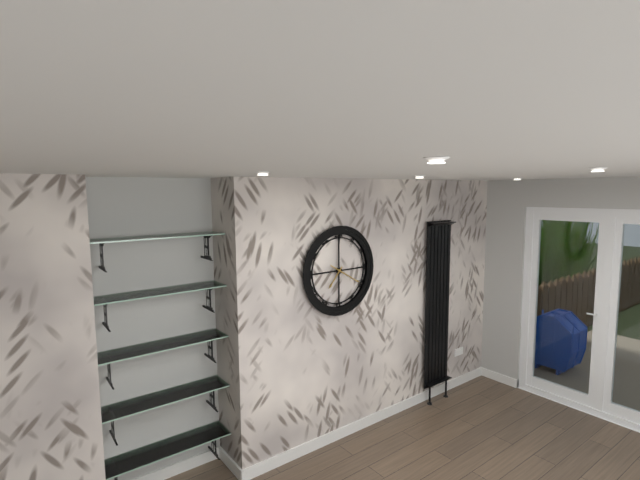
7:20
